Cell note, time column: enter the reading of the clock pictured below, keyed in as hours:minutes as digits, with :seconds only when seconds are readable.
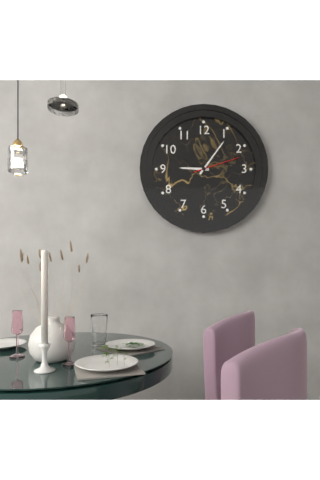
9:06
